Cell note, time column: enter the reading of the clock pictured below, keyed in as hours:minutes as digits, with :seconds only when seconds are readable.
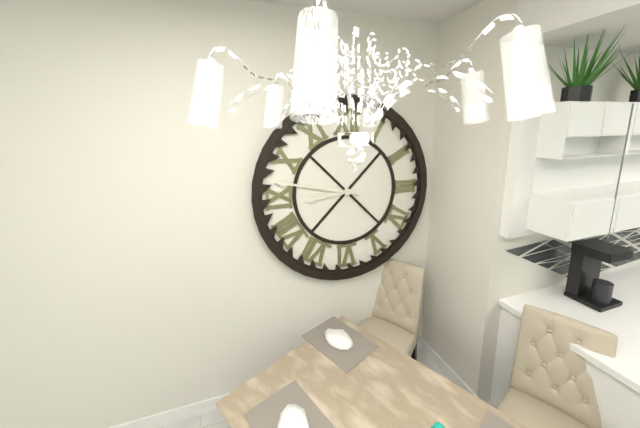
8:47
